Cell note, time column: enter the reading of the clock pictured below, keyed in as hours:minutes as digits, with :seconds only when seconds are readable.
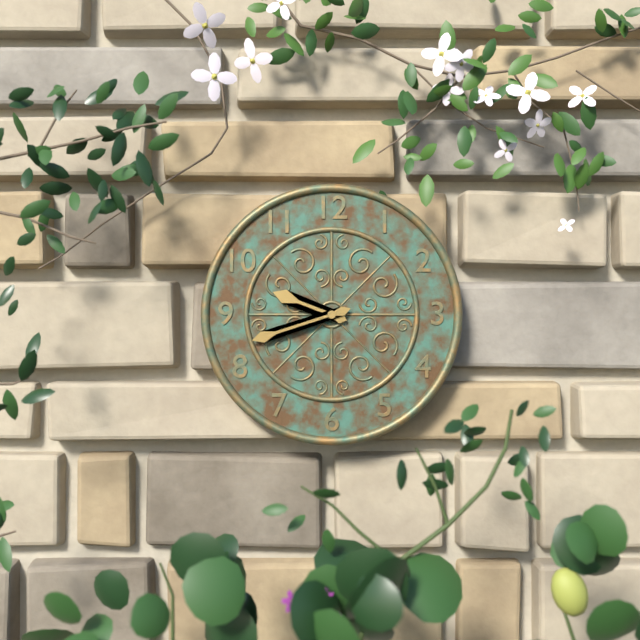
9:42
